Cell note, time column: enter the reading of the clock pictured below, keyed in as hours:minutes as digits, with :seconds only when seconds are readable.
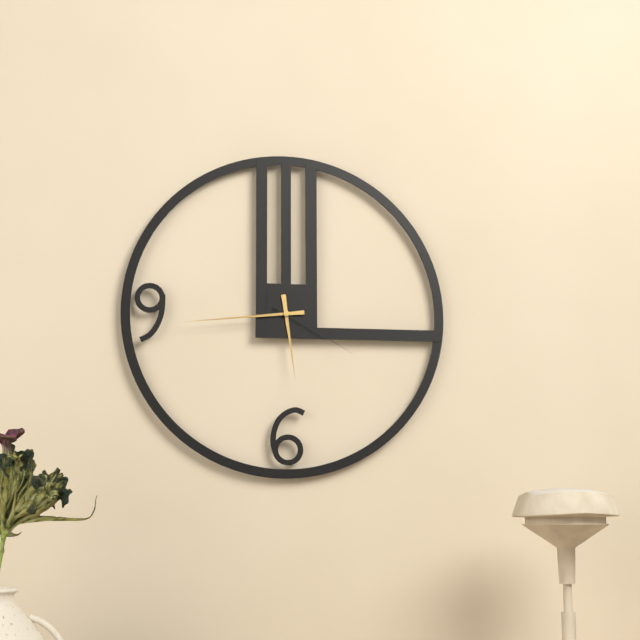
5:44:20
